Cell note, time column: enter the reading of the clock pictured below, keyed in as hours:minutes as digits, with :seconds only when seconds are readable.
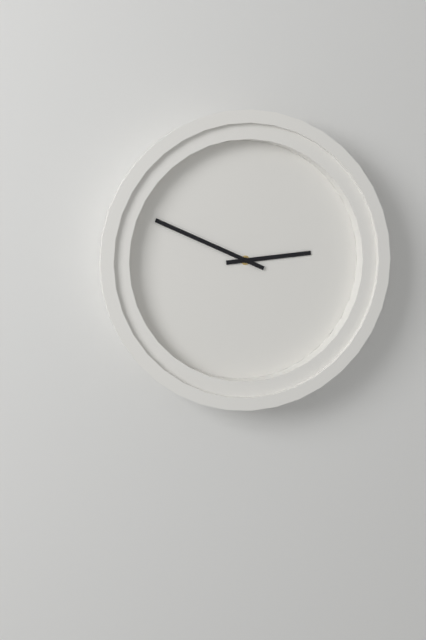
2:49
